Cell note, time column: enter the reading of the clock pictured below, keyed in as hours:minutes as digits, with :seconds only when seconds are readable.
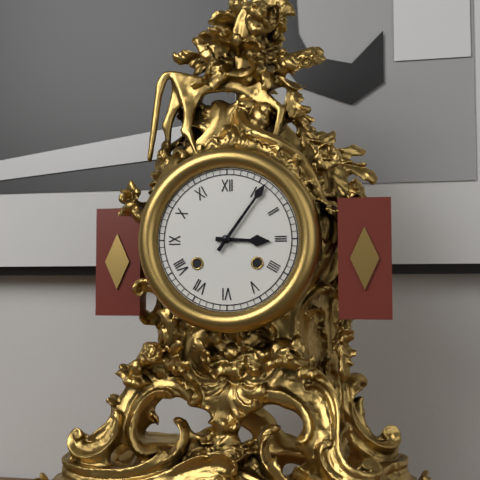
3:06
